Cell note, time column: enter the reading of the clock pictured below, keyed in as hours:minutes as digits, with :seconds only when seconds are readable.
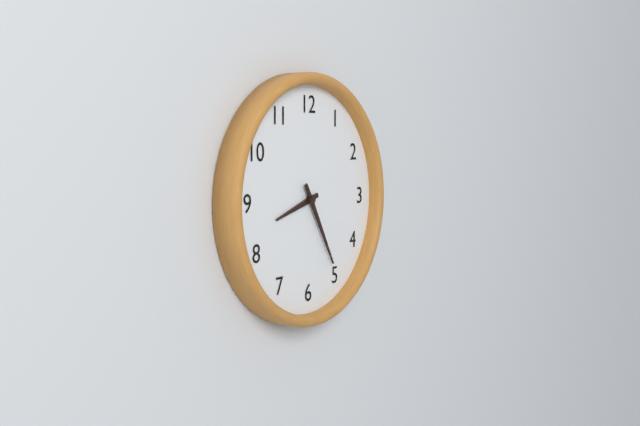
8:25
